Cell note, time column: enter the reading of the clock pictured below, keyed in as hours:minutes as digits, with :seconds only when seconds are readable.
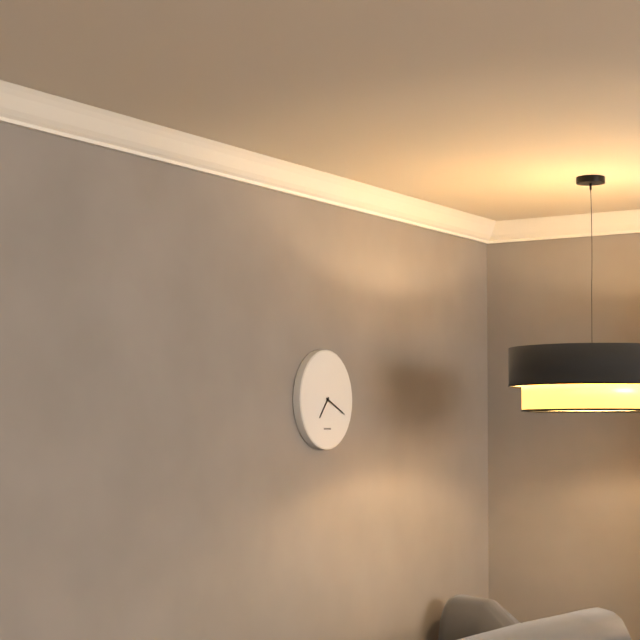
7:19
